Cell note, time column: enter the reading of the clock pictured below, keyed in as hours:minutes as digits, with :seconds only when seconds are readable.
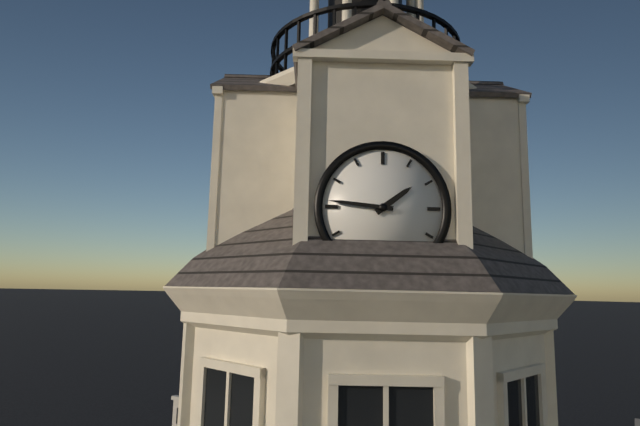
1:46
